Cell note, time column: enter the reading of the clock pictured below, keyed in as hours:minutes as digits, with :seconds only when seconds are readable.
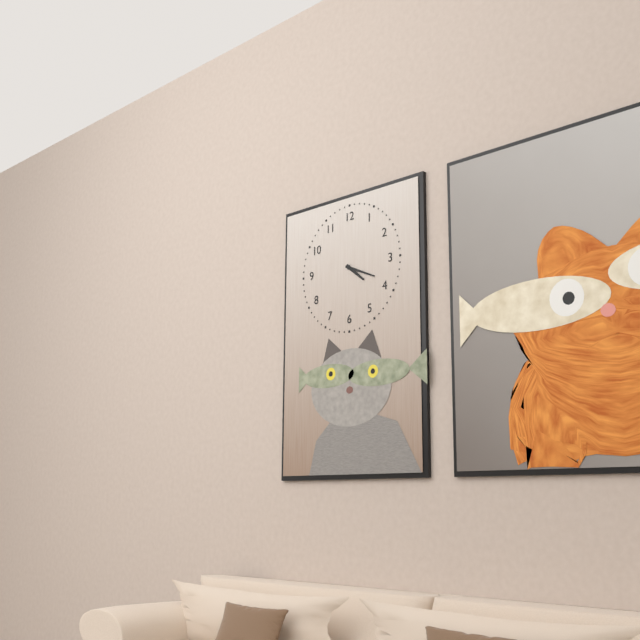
4:19
